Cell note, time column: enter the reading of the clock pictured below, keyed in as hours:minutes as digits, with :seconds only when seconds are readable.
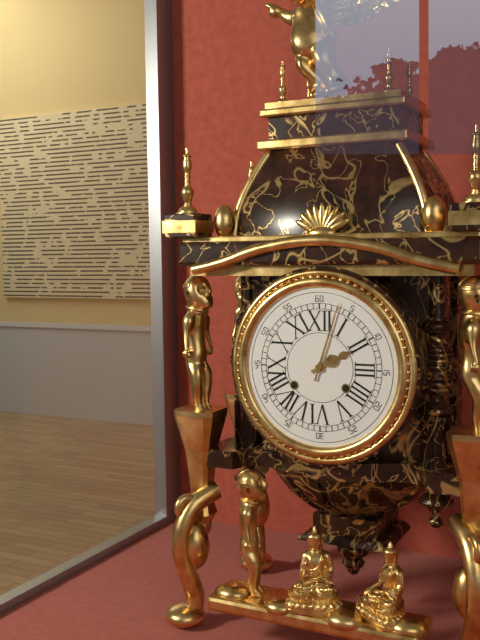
2:03
